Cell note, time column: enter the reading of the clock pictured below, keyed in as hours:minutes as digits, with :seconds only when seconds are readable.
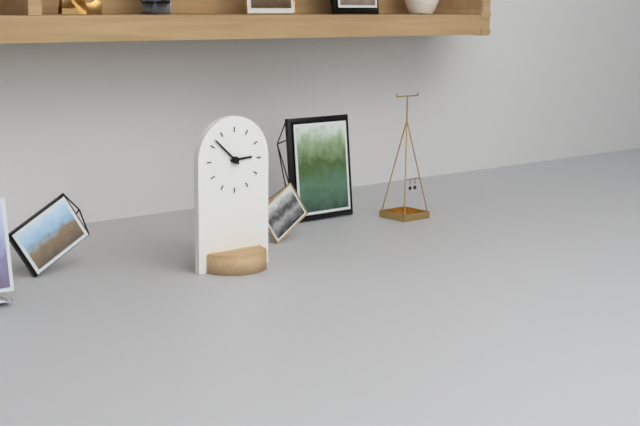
2:52
